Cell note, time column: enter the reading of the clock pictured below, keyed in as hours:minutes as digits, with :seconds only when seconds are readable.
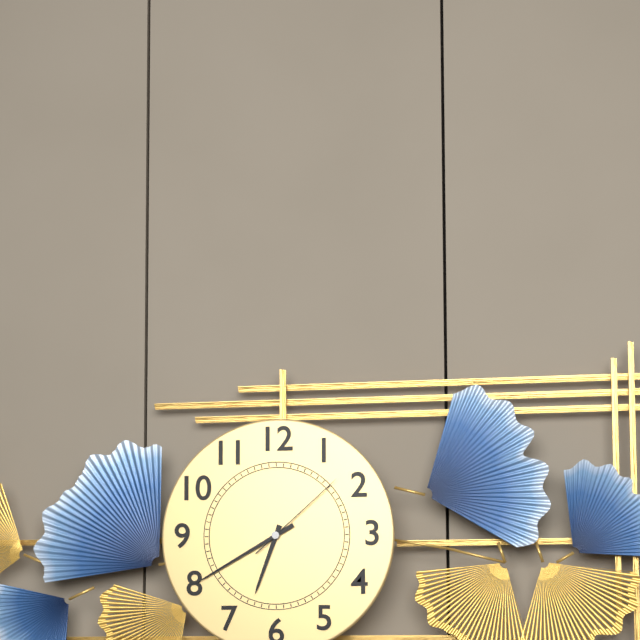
6:40:08
